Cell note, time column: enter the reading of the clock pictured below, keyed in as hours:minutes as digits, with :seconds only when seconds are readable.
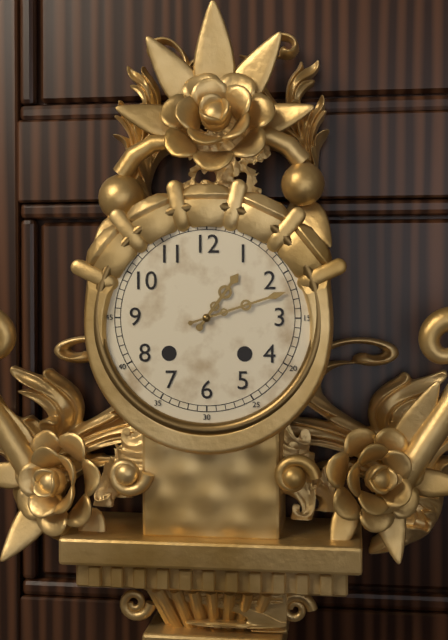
1:12
